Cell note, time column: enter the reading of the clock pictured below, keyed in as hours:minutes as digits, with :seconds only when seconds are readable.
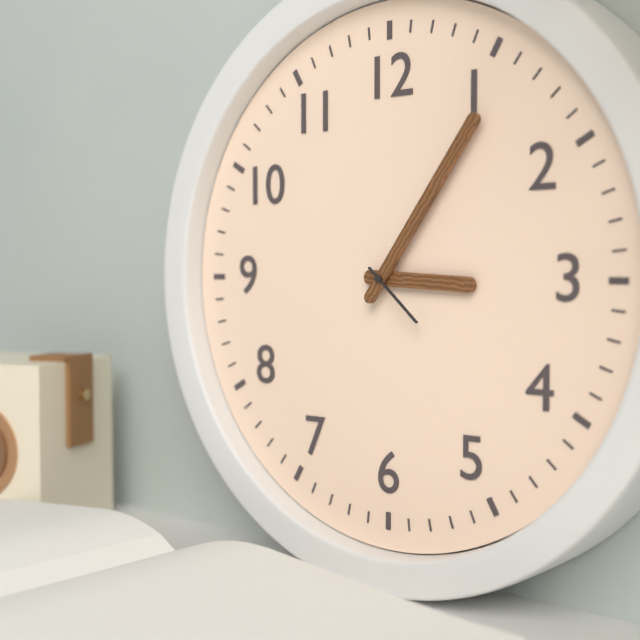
3:06:22
